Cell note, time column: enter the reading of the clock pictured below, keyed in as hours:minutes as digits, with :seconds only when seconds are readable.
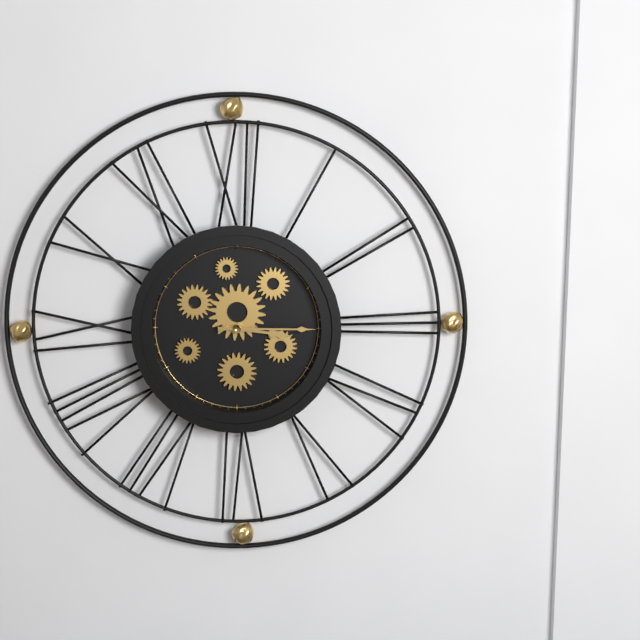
3:15
